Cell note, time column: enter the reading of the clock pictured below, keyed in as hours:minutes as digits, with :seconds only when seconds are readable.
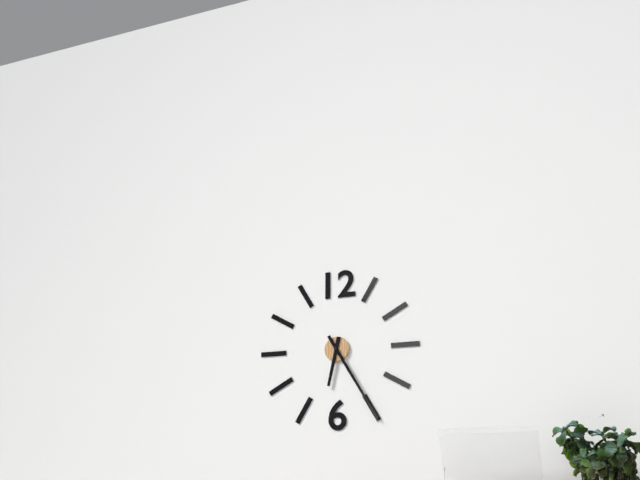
6:25
